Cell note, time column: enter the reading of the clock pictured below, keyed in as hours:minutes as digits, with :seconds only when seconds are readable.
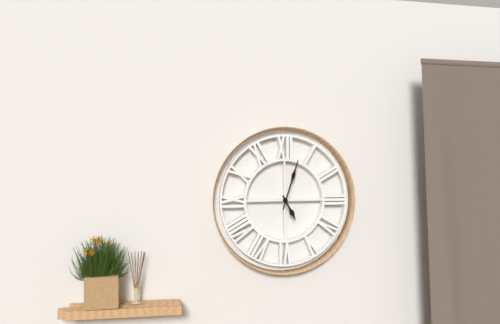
5:03
